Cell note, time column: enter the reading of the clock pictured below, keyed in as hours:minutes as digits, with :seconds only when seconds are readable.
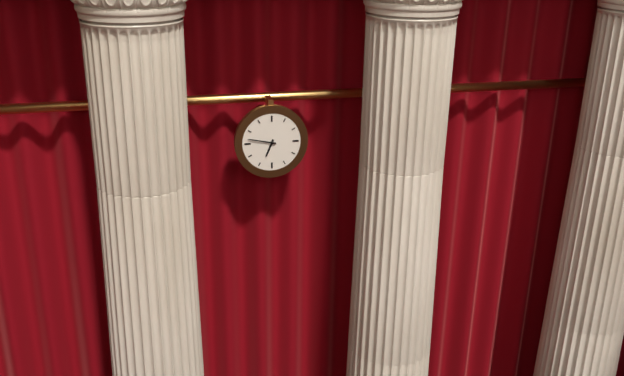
6:47
